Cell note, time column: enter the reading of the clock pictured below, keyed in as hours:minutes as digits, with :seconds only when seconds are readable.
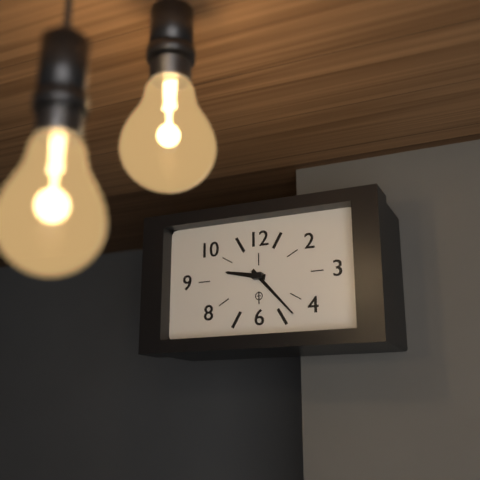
9:23
